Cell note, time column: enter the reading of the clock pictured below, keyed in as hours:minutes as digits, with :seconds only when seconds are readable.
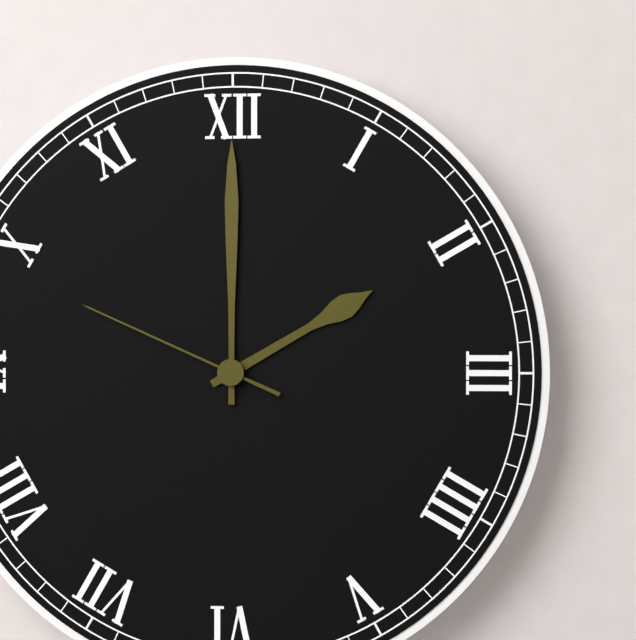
2:00:49
